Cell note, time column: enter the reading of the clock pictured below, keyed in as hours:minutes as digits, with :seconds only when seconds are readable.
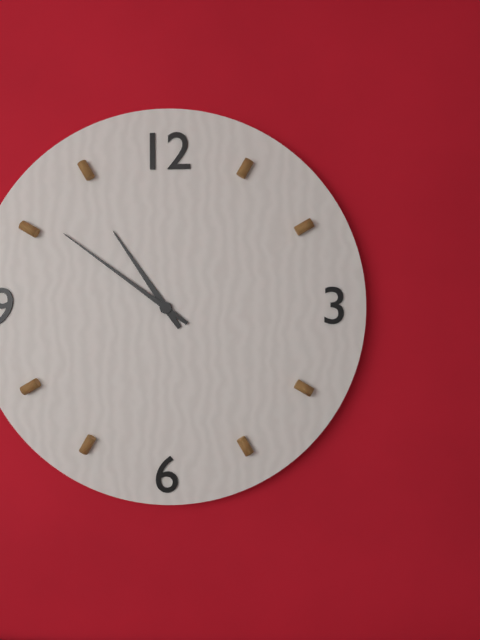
10:51
